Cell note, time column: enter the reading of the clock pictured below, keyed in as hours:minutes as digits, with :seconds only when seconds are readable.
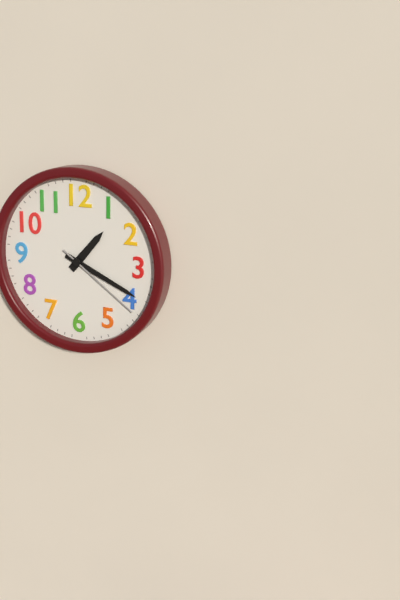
1:19:21
